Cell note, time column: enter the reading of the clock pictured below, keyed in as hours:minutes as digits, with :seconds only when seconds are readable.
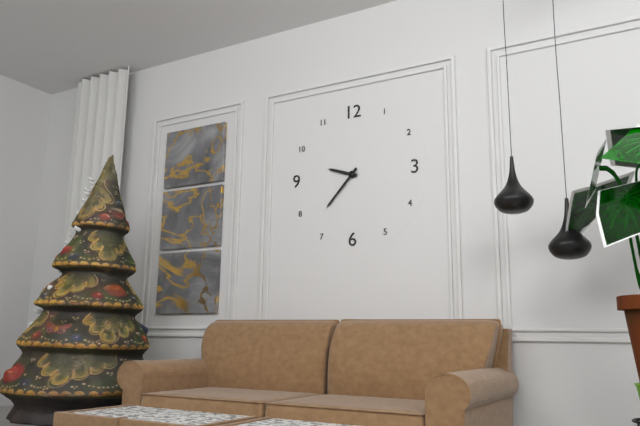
9:37
